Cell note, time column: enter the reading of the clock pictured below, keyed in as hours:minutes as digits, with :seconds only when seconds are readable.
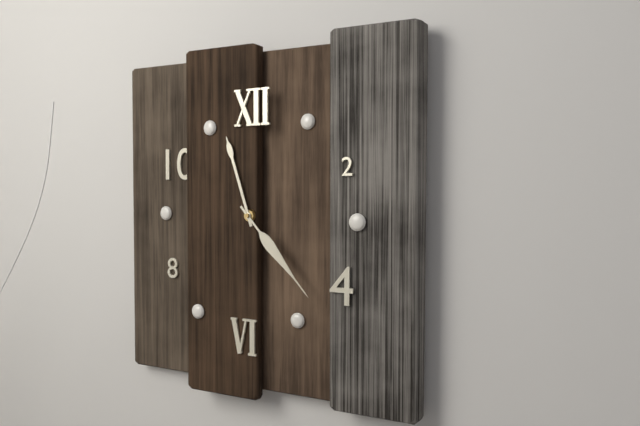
11:23
